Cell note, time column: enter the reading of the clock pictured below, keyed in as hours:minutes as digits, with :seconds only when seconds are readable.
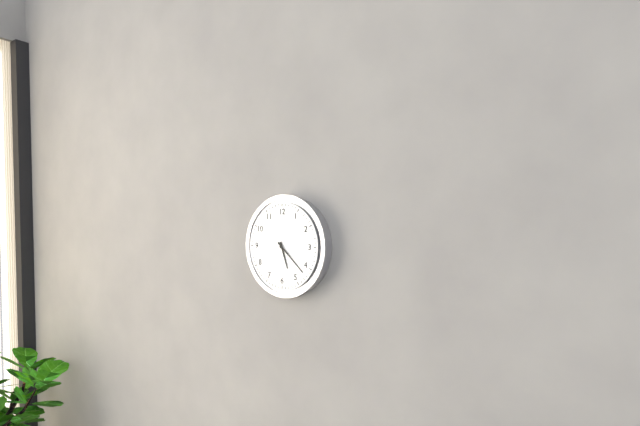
5:22
